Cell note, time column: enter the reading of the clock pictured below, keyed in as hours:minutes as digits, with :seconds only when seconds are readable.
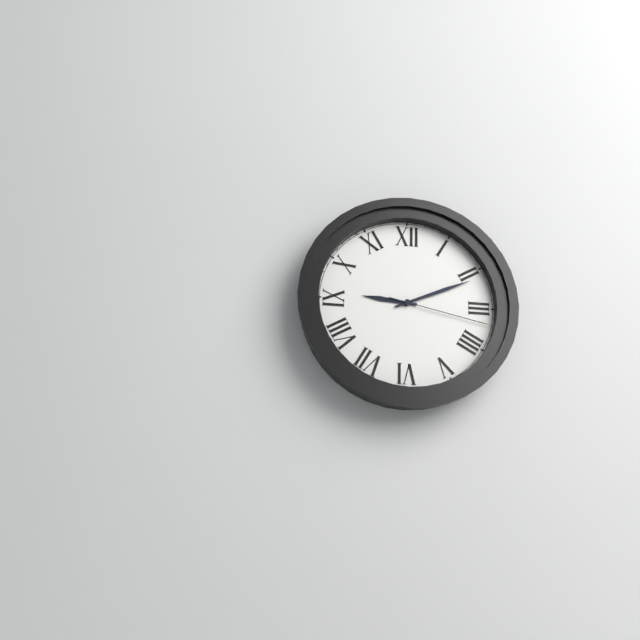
9:11:17
